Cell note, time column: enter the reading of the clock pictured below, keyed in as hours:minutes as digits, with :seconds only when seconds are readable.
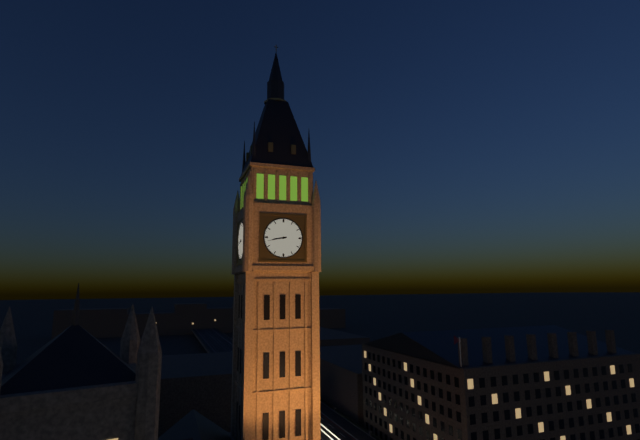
8:43
